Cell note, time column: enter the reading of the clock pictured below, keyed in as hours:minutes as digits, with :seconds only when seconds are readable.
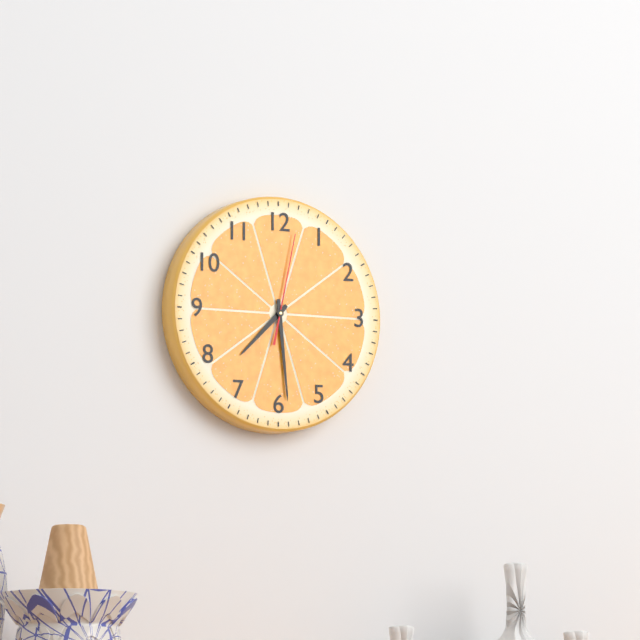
7:29:02
